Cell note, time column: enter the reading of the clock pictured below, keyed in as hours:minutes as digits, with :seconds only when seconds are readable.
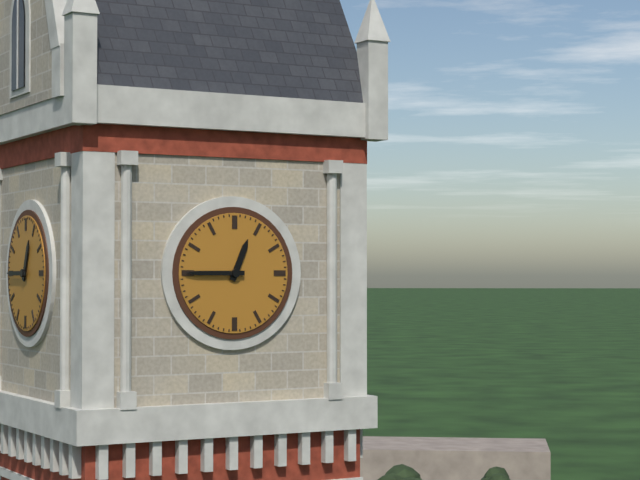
12:45
